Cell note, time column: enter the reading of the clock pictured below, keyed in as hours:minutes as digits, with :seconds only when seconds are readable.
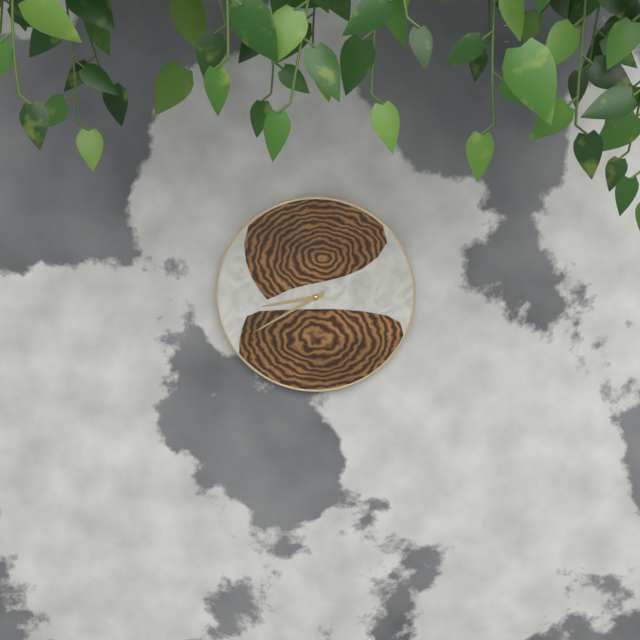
8:40
